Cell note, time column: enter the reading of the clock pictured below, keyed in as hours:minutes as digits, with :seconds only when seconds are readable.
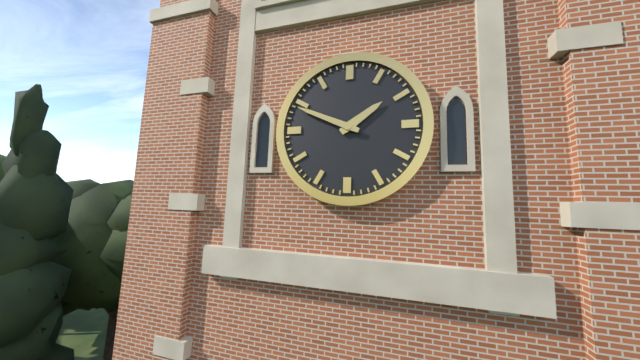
1:49
